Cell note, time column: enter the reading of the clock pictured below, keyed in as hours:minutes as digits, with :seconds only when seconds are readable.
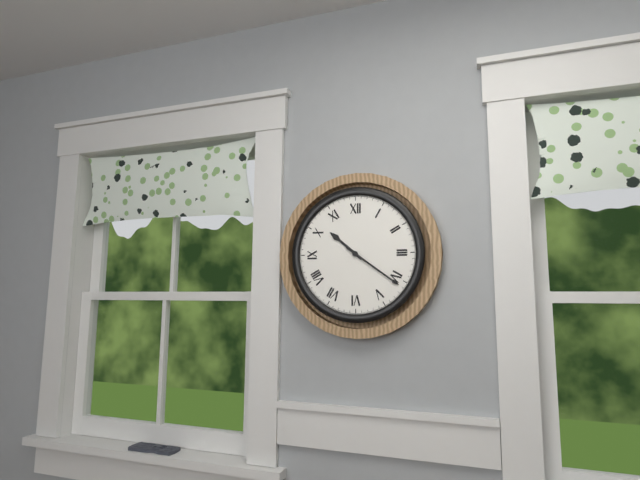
10:21
